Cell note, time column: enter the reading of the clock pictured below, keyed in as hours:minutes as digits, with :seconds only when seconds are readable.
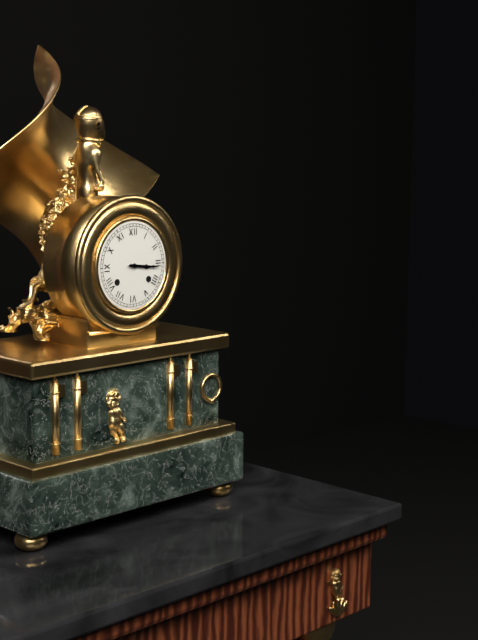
3:16
